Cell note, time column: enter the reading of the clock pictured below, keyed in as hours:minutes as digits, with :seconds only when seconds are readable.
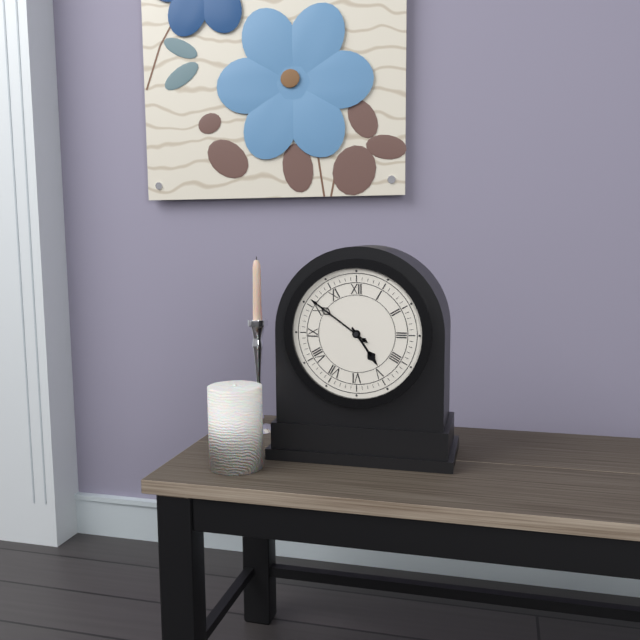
4:51
